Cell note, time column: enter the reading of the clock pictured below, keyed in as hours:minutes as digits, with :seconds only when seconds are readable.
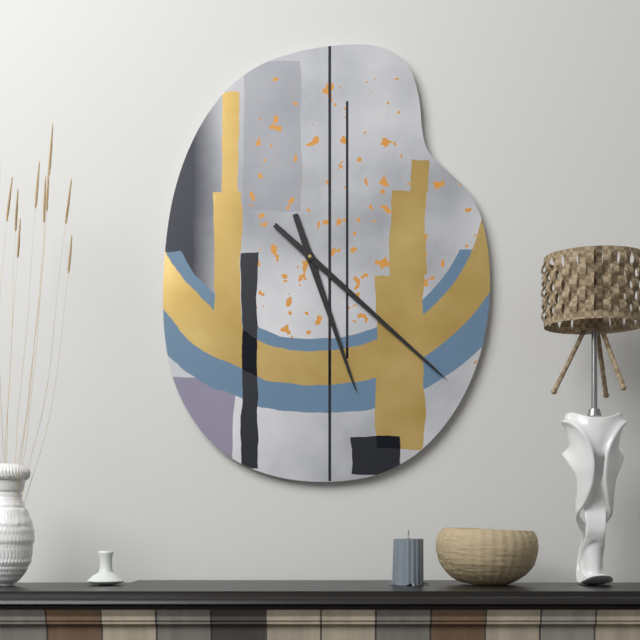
5:22
